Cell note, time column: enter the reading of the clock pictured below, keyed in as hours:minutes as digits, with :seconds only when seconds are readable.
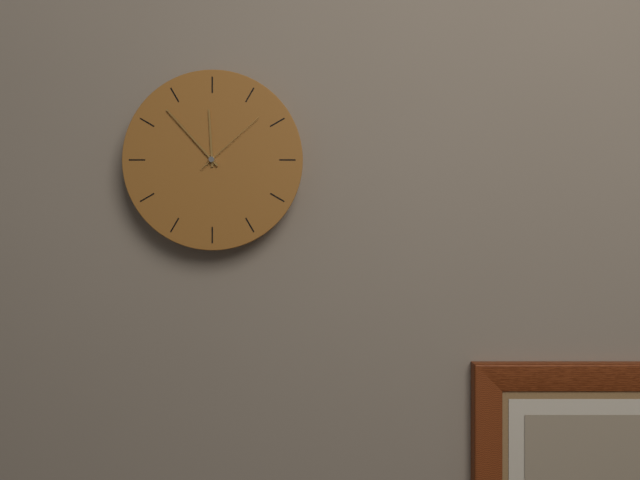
11:53:08
